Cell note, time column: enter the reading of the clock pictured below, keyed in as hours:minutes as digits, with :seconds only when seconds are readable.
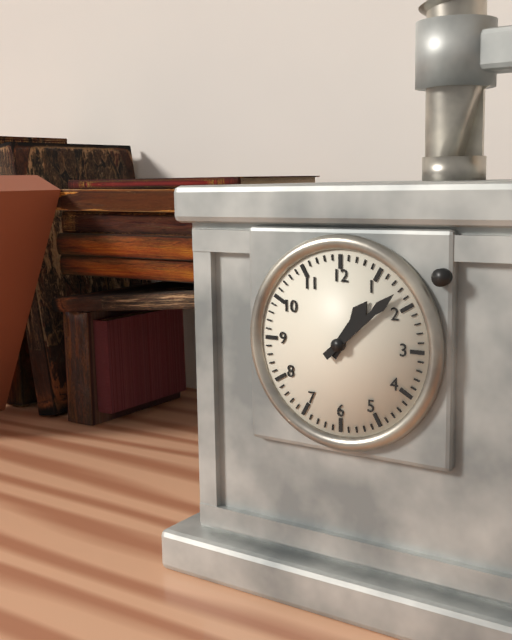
1:08
